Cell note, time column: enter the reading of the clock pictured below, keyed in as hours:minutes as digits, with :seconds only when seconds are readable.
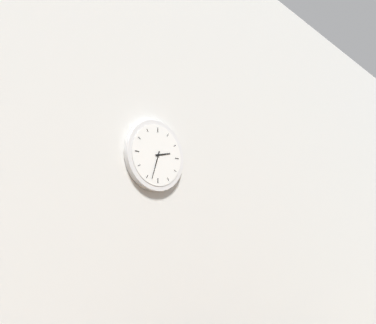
2:33
